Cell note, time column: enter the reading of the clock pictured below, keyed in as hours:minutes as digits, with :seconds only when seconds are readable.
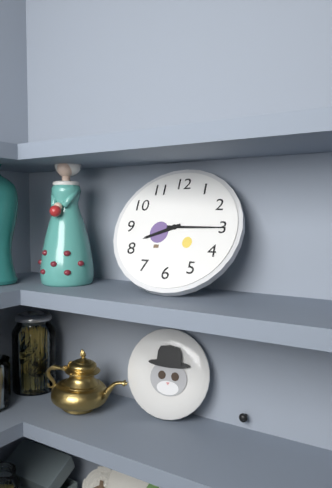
8:15
